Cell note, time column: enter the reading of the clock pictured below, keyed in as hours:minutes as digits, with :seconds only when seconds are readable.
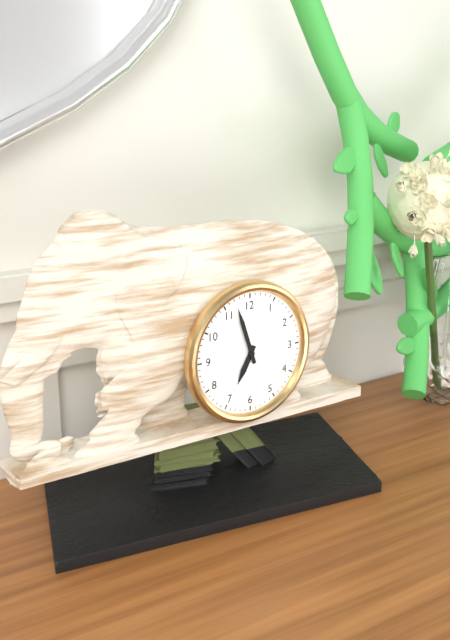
6:57
